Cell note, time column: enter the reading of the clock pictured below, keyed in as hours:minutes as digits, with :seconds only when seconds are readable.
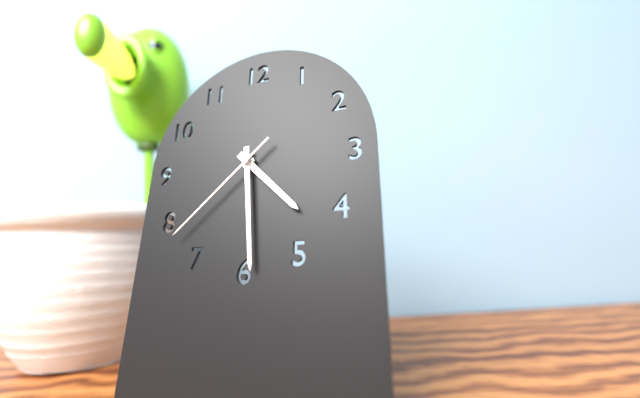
4:29:38
